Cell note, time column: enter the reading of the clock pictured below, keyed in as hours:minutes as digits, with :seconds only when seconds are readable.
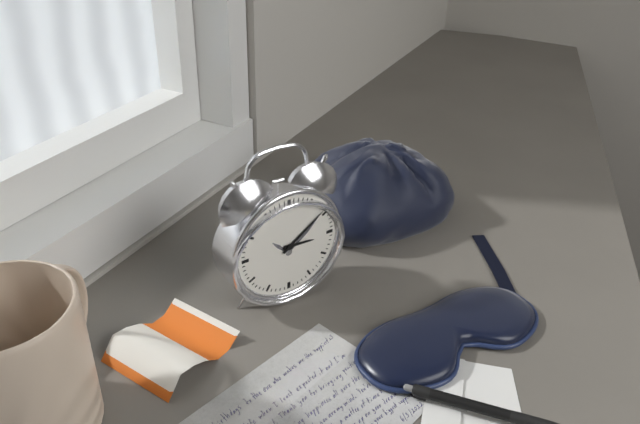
3:09
